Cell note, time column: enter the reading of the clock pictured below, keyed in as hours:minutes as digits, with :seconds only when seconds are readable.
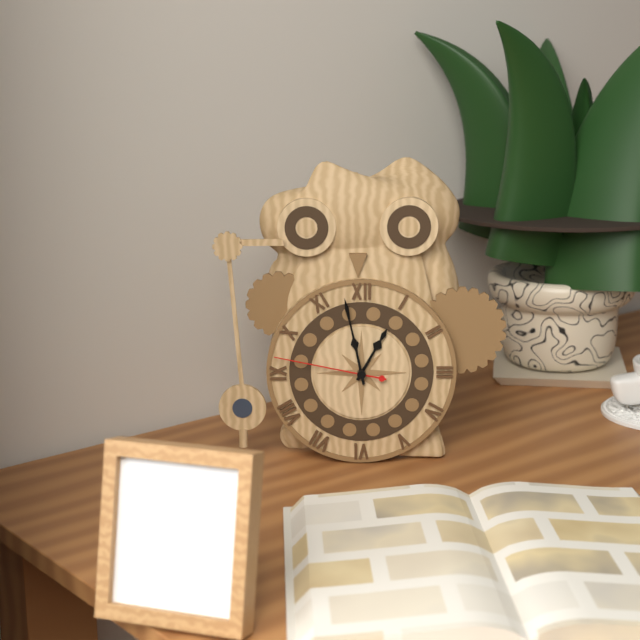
12:58:47
